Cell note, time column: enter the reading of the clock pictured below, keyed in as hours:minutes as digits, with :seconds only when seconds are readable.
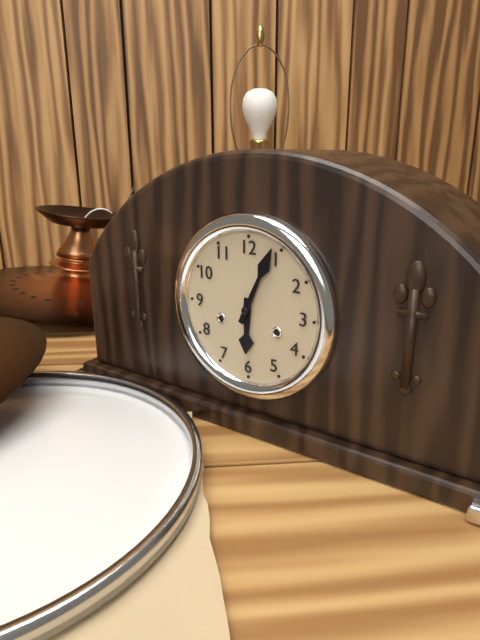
6:04
